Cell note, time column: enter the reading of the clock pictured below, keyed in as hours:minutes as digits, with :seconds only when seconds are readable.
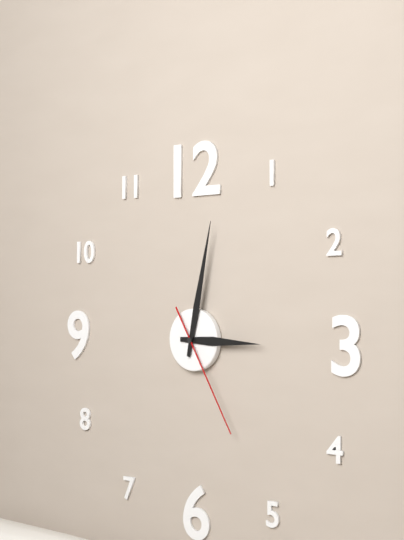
3:02:25
